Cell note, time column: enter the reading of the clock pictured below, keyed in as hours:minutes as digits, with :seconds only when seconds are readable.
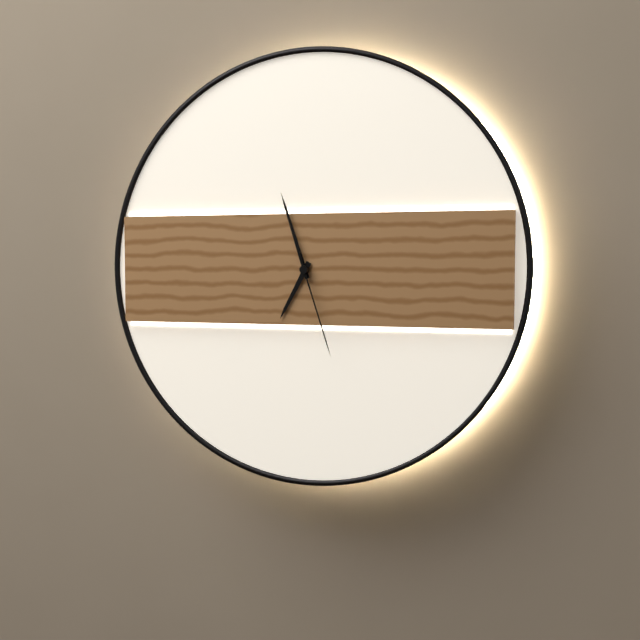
6:57:27
